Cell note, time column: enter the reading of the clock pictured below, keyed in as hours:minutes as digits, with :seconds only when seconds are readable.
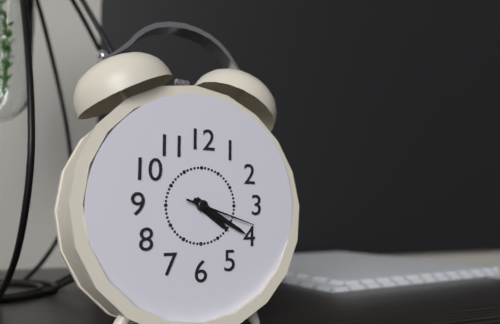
4:20:18
